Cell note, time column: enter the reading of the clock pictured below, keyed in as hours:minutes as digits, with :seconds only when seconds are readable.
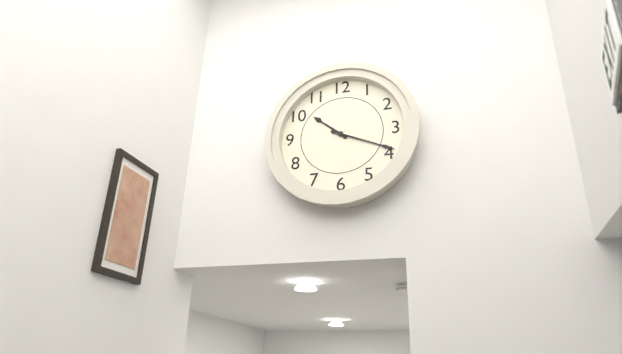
10:19
